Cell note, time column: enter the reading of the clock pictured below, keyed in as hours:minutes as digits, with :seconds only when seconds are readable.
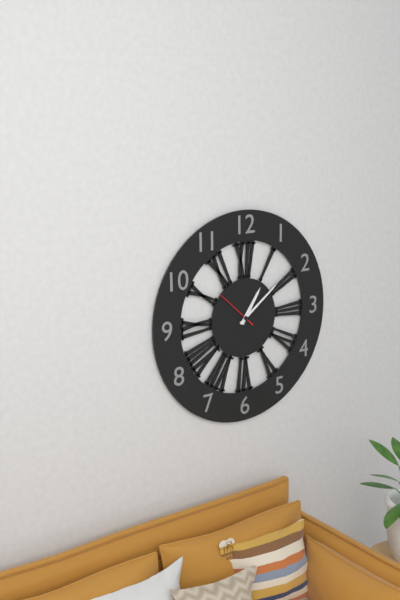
1:09
